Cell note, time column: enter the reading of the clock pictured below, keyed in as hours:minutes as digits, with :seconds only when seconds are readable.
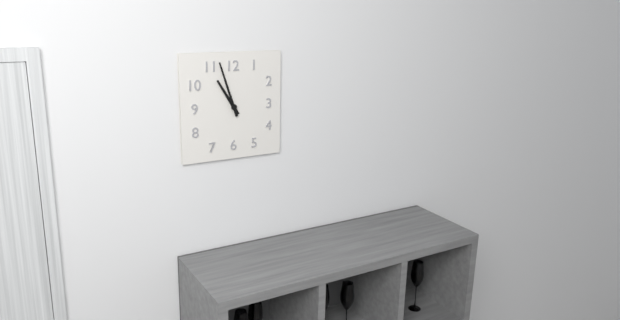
10:57
